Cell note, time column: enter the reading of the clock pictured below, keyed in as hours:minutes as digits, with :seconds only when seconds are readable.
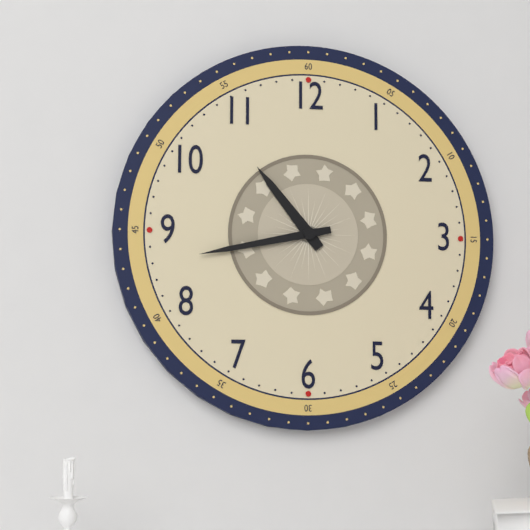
10:43
